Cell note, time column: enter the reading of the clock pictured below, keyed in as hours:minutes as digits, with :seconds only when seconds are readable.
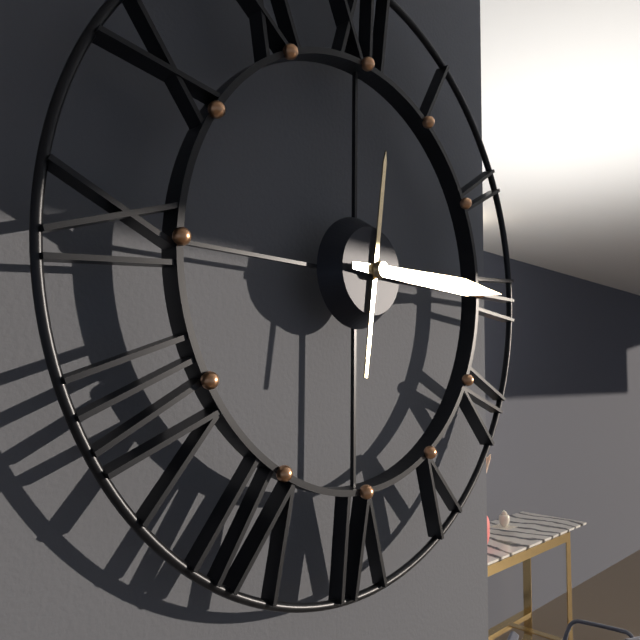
12:15
